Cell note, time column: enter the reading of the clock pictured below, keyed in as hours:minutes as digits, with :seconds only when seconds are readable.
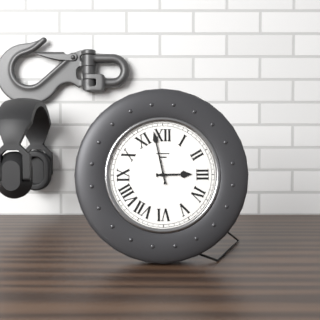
2:58
